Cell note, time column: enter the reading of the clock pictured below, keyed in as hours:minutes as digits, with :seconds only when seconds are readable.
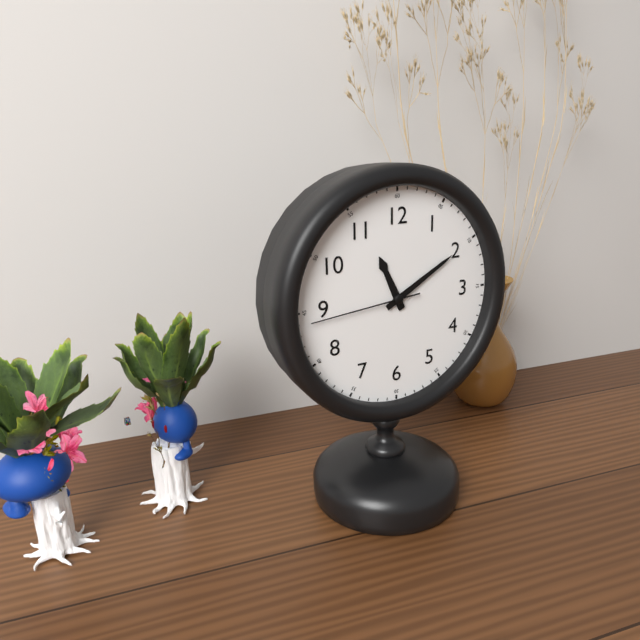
11:10:44
